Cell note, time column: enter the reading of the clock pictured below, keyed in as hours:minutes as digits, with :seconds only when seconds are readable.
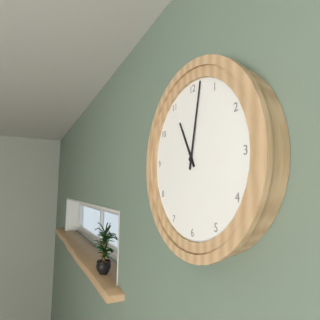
11:02
